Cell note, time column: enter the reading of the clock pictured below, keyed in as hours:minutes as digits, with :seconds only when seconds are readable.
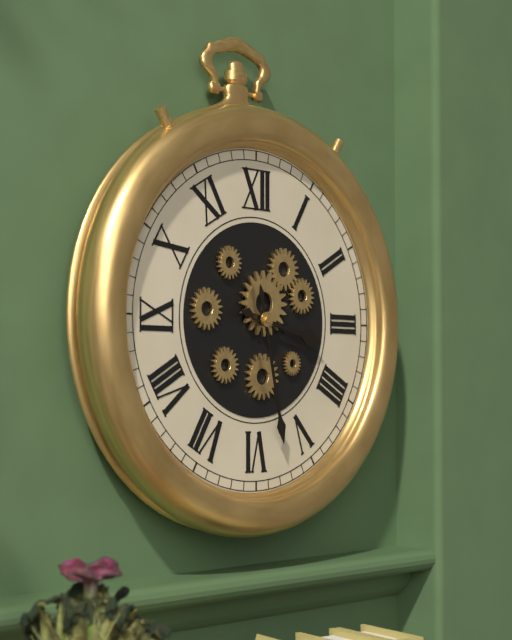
3:28
